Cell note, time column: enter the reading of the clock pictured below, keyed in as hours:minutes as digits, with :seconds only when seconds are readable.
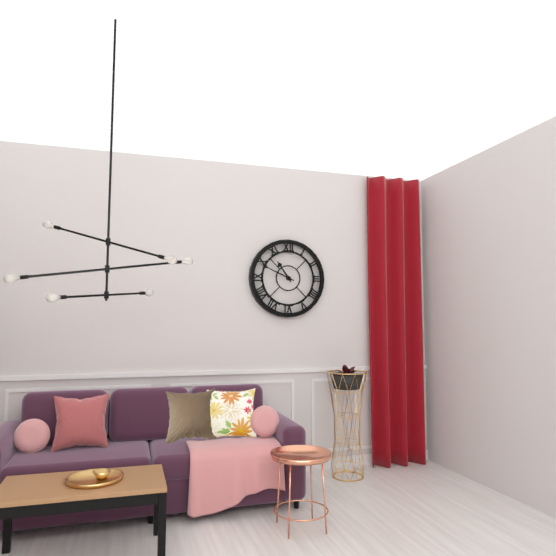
10:49
